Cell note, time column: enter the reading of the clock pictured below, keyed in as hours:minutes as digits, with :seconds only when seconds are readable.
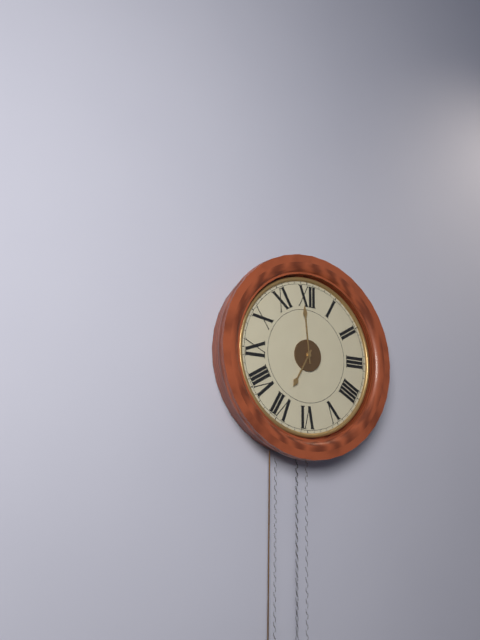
6:59
